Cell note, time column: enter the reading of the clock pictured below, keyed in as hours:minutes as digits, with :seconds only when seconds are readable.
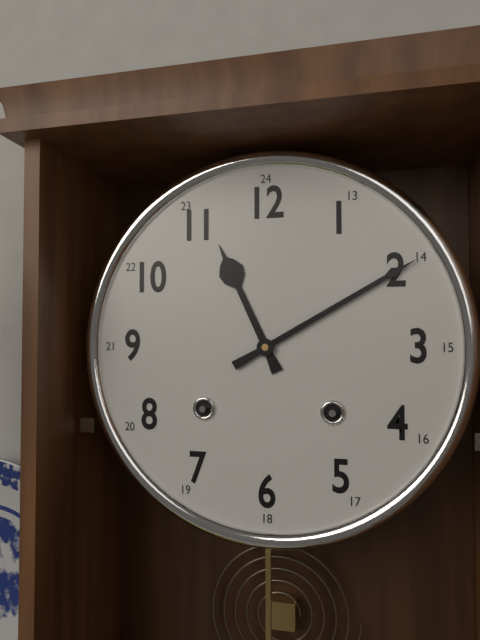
11:10
